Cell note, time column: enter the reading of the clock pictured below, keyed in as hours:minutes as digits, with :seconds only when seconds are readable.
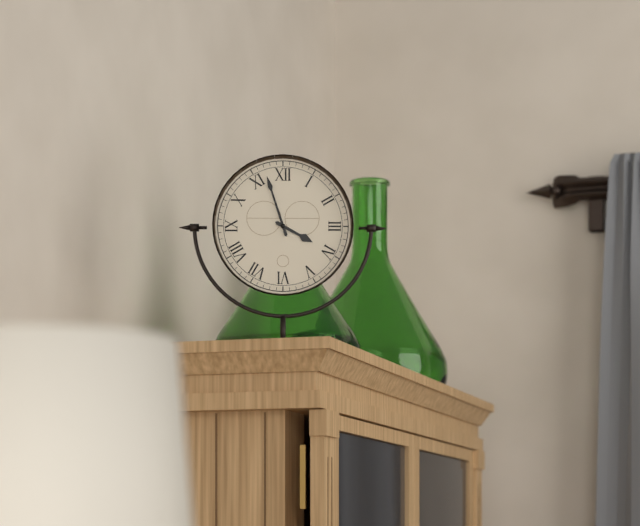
3:57
